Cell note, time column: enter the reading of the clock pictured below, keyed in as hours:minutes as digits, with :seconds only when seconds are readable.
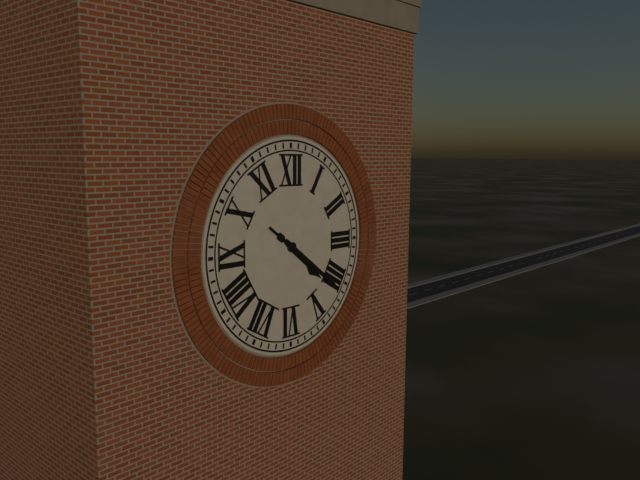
4:21
